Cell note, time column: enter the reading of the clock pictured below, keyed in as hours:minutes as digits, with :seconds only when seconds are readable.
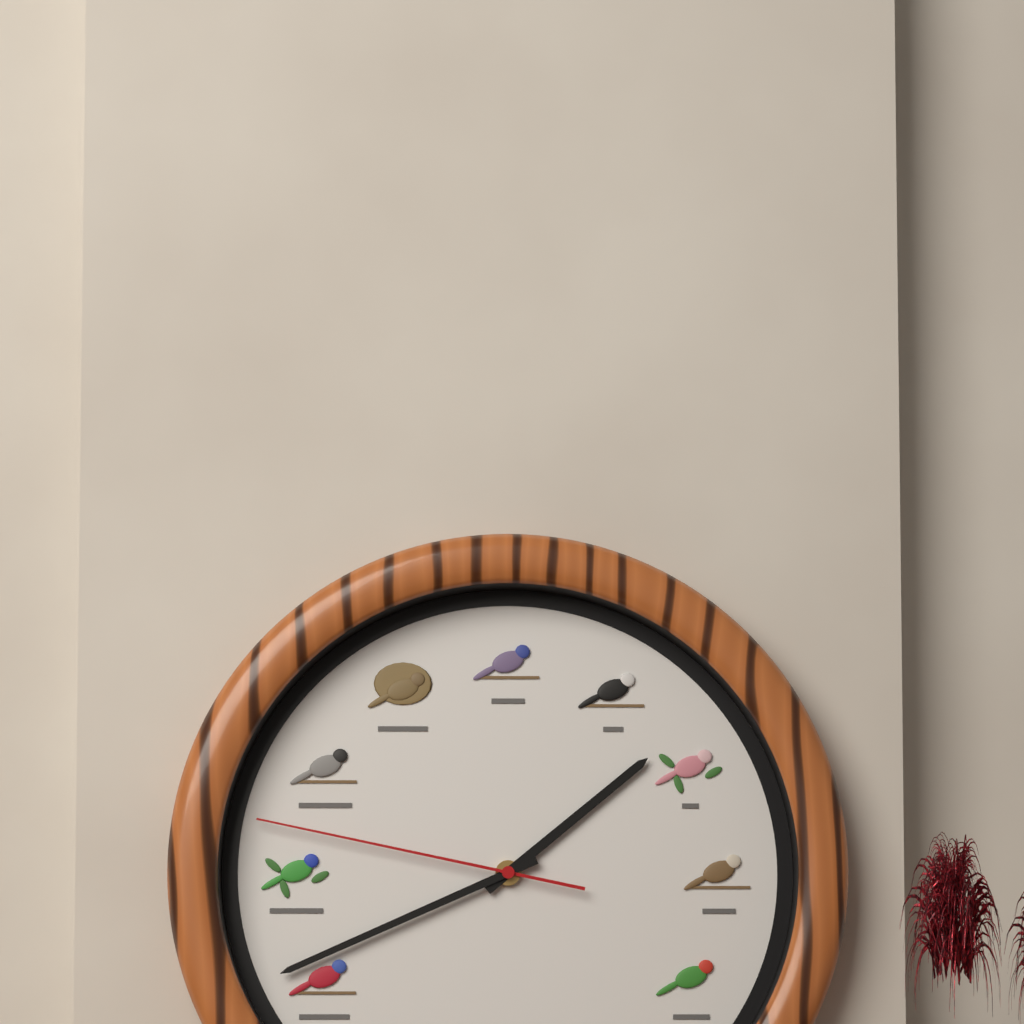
1:41:47
